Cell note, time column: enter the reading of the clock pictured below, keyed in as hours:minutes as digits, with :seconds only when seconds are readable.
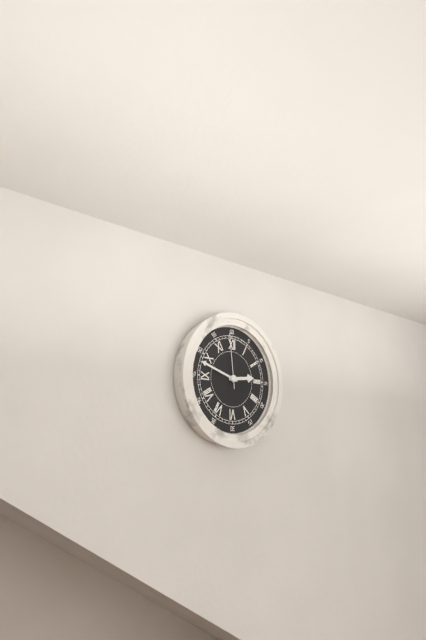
2:48:59
